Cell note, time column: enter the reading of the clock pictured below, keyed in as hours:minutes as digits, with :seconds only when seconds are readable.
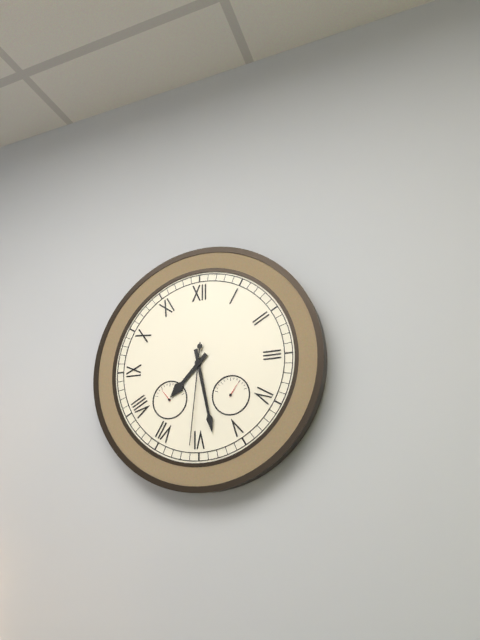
7:28:31
